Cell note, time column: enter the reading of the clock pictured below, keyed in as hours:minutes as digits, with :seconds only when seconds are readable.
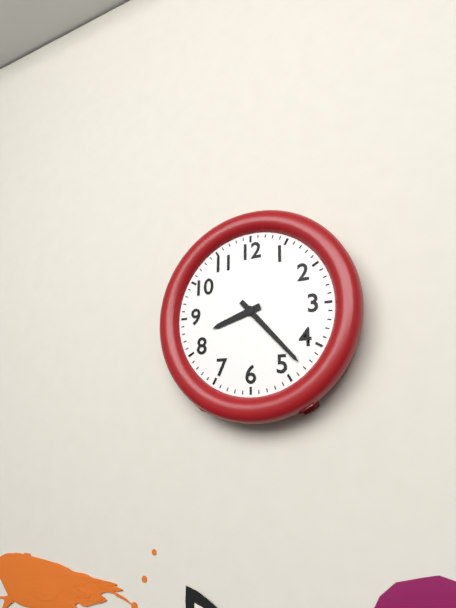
8:23
